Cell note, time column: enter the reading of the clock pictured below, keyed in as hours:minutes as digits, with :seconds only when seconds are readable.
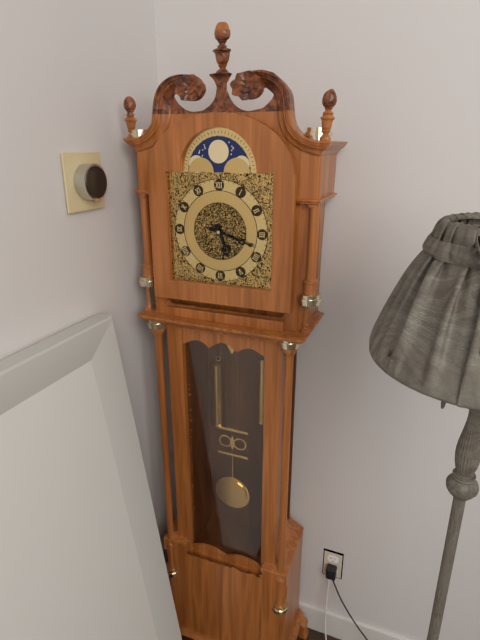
5:18
